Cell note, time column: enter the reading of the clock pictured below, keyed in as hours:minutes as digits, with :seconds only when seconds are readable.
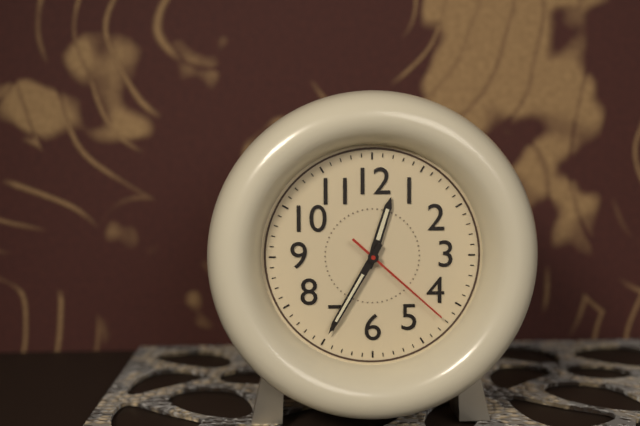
12:35:22
